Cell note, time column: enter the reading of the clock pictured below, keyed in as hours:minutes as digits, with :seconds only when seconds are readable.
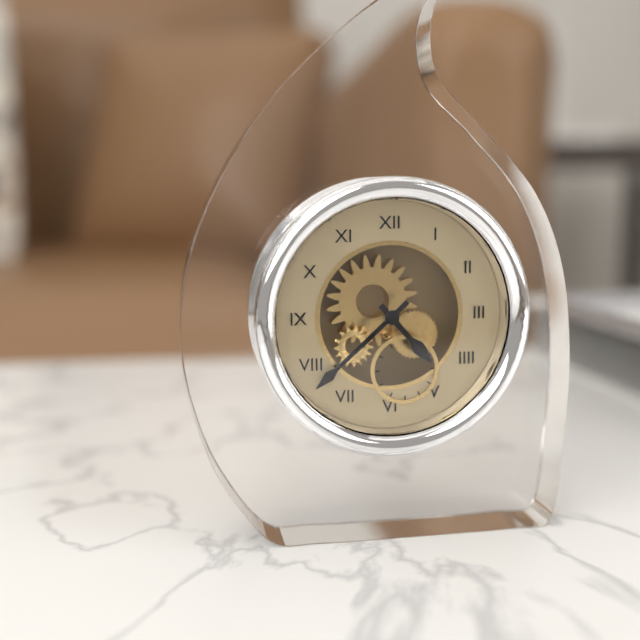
4:38
